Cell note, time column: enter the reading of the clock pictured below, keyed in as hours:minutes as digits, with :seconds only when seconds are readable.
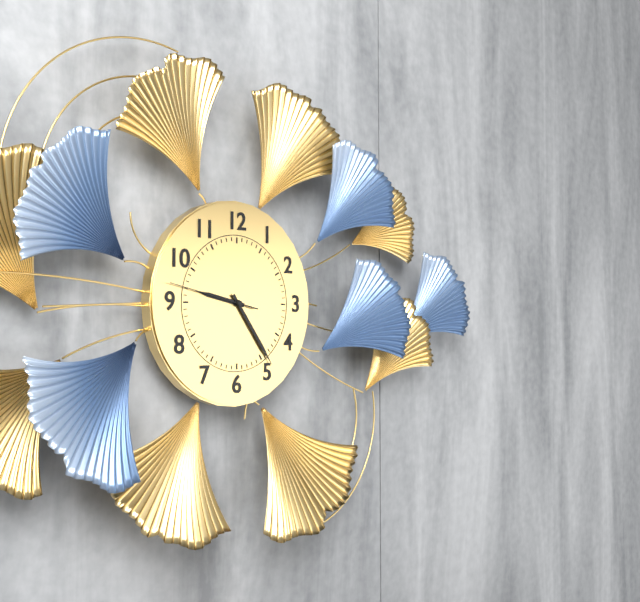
9:24:47
